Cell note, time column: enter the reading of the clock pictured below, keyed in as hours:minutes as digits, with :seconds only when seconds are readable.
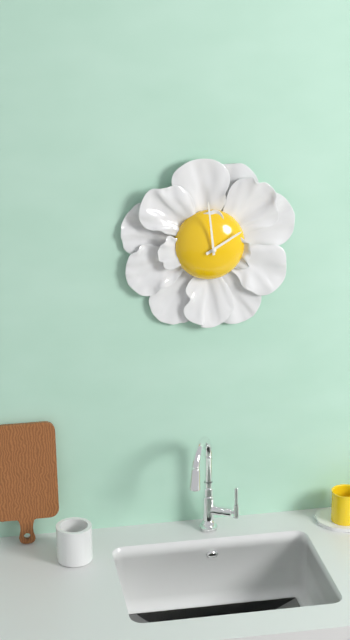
1:59
